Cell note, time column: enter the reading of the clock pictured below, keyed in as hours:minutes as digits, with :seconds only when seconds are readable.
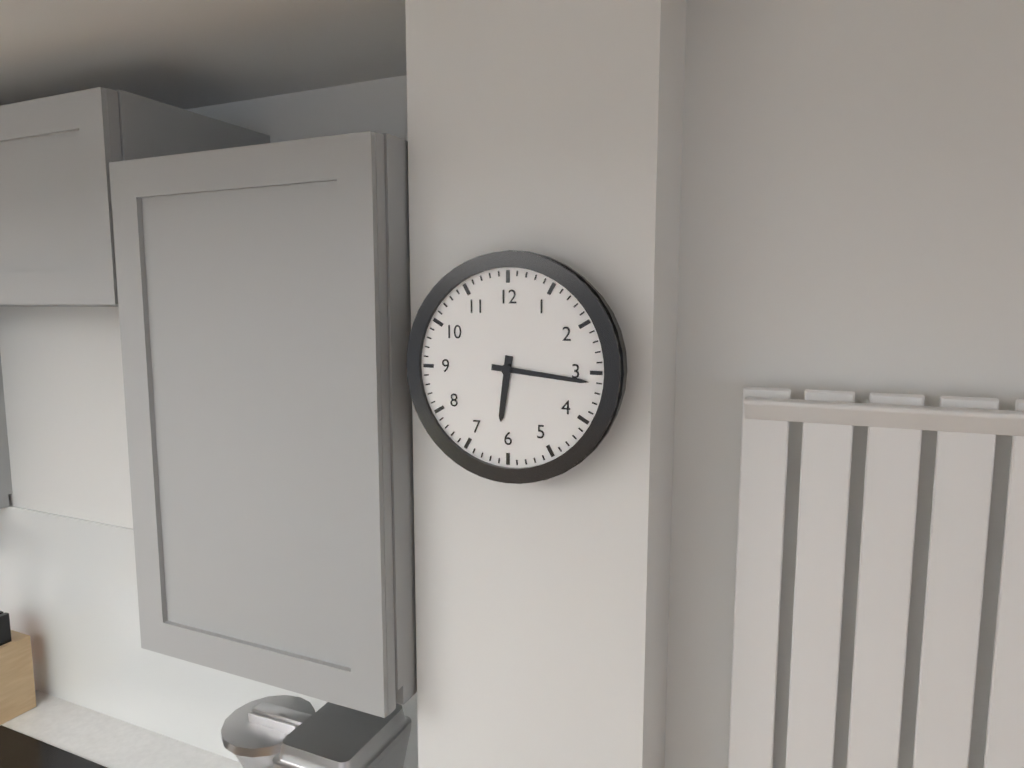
6:16
